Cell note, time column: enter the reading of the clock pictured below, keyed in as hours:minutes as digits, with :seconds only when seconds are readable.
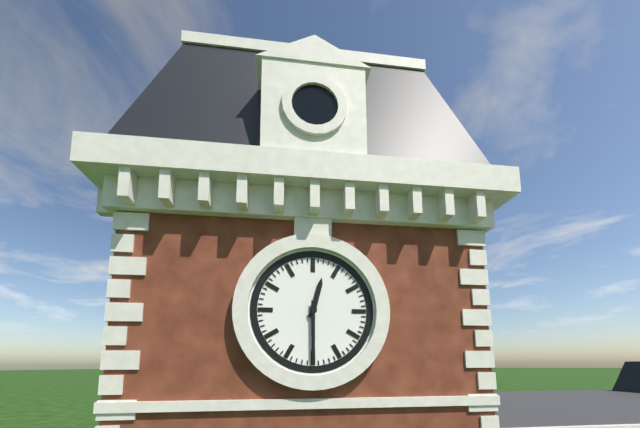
12:30
